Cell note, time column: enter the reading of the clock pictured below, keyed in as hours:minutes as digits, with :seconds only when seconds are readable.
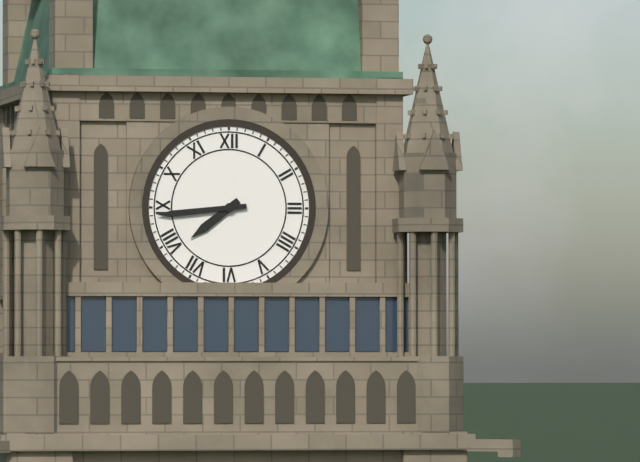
7:44
